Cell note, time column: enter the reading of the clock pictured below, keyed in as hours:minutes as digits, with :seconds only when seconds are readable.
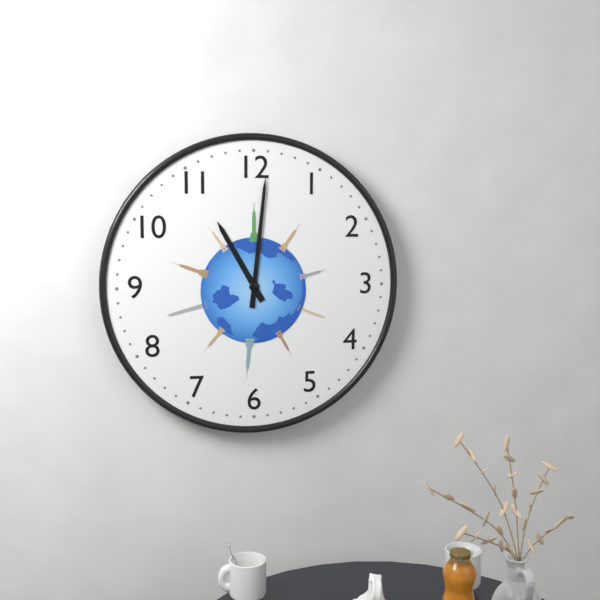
11:01
